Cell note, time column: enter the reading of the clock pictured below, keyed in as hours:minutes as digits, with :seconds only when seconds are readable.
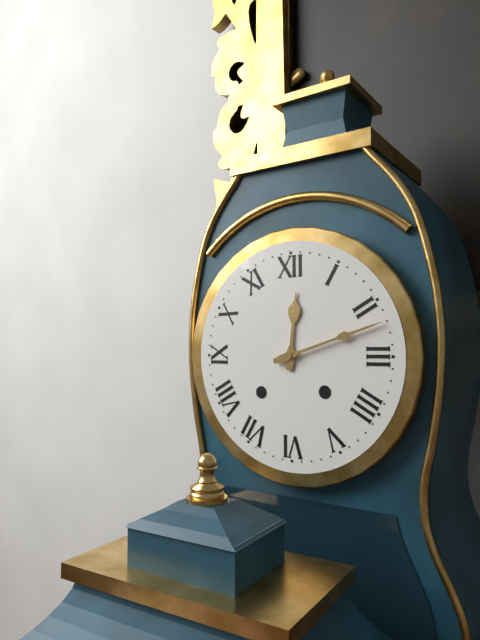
12:12
